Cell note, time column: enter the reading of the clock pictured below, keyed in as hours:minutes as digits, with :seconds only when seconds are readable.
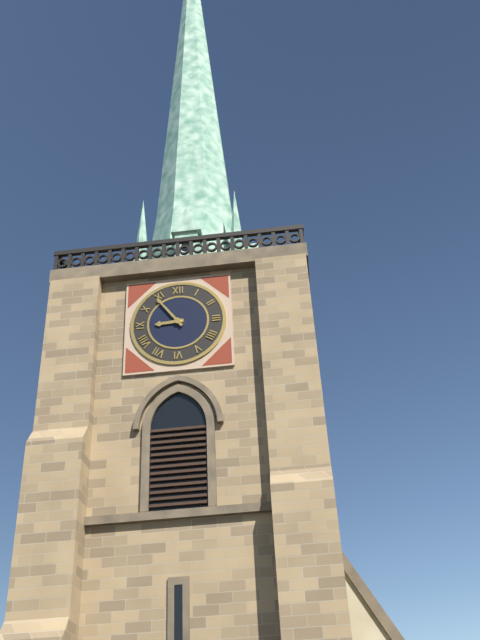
8:54
